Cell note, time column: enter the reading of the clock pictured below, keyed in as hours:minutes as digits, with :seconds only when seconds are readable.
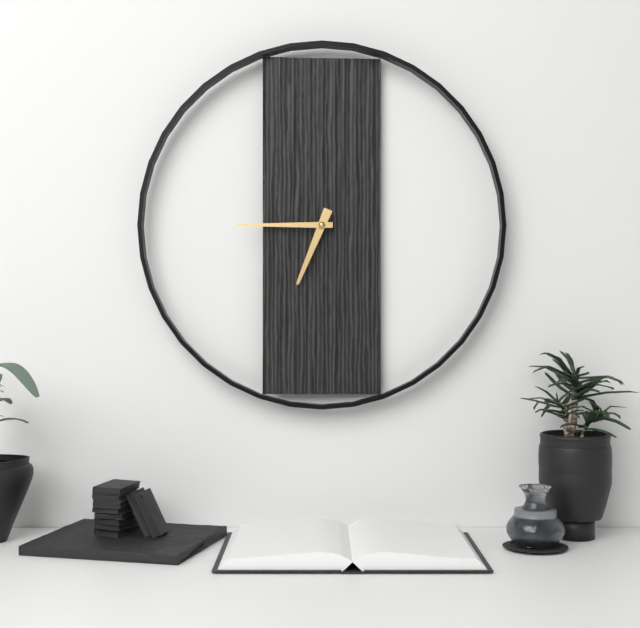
6:45
